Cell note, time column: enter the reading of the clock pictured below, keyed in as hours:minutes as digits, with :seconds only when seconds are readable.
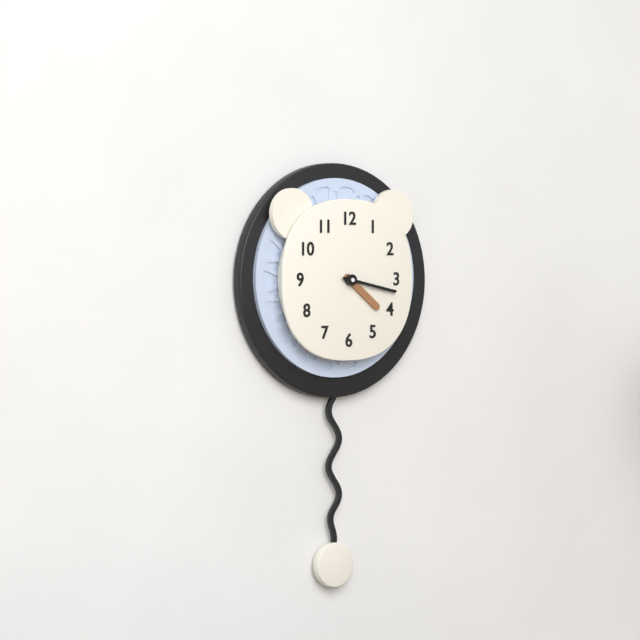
4:17
